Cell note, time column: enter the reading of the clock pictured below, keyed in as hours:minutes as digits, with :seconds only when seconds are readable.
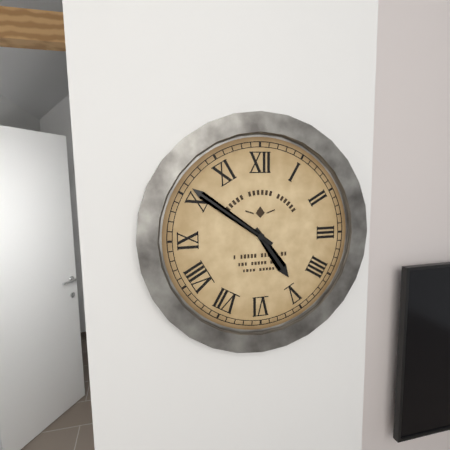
4:51
